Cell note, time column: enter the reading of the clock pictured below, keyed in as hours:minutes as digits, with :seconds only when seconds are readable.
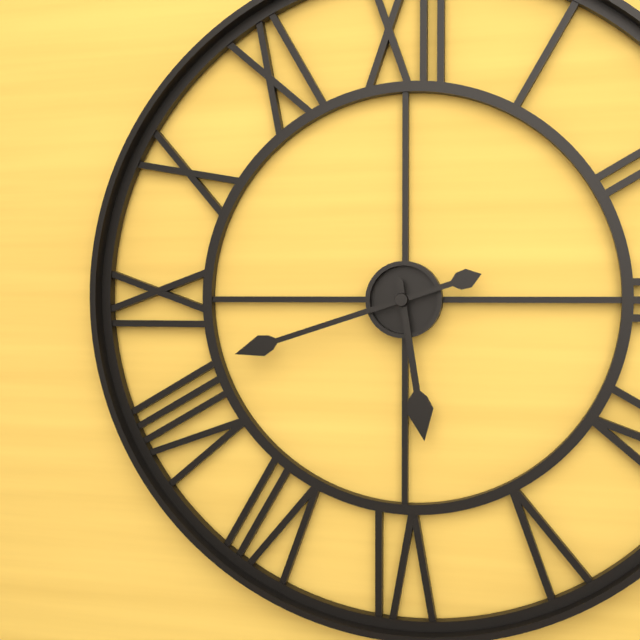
5:42
